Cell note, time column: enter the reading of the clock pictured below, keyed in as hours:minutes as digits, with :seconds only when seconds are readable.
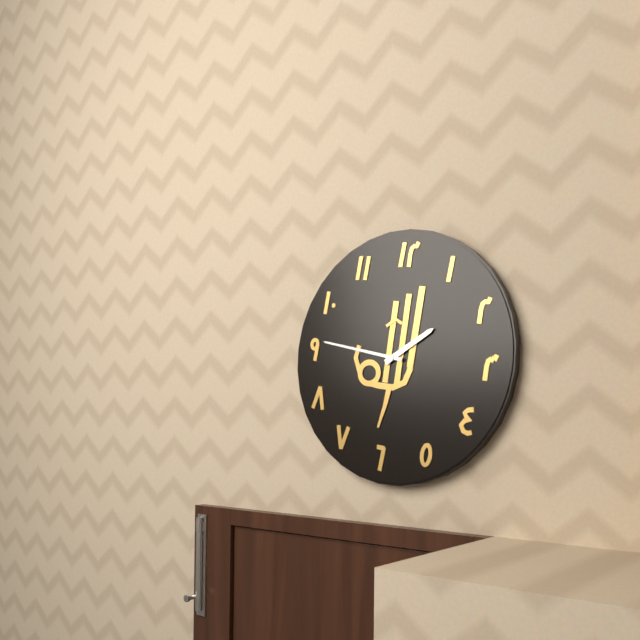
1:46
